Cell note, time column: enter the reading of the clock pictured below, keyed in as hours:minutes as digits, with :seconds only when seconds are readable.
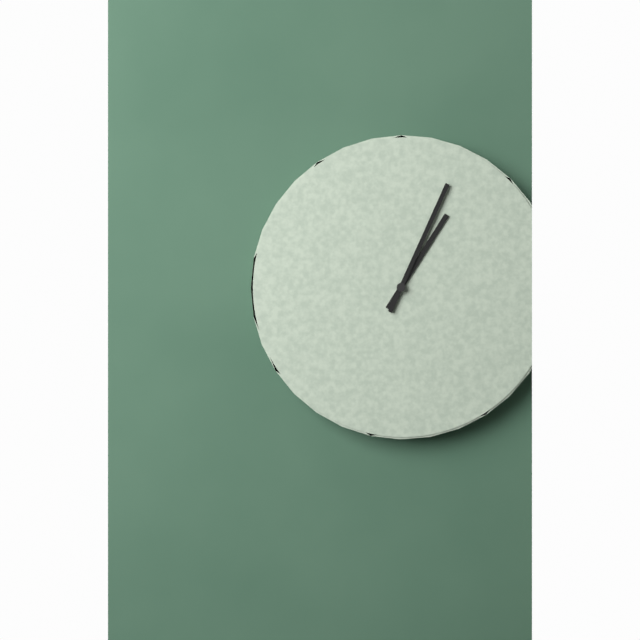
1:04
